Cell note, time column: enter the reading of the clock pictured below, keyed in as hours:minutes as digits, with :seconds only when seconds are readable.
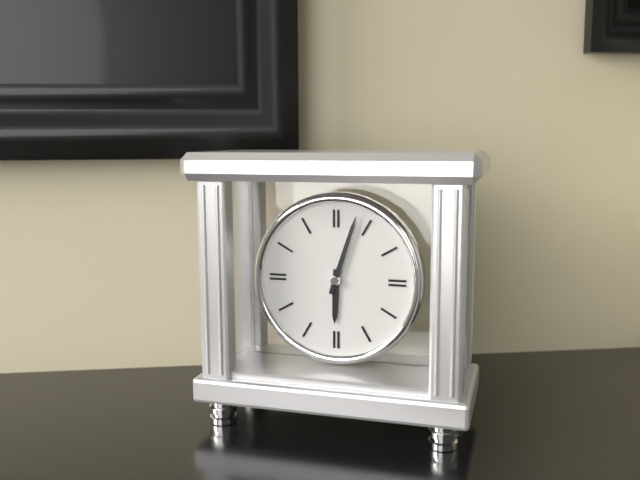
6:03
